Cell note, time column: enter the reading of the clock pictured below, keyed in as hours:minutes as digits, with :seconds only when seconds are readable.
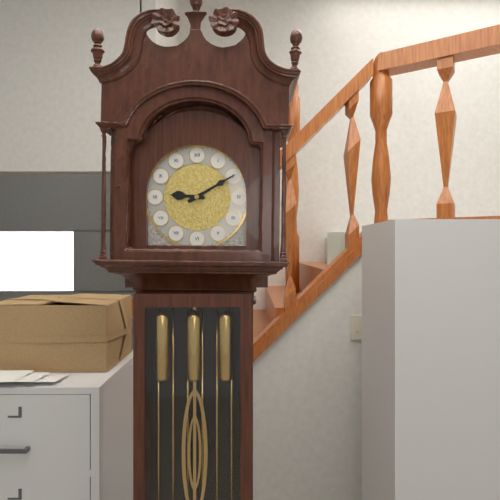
9:10
